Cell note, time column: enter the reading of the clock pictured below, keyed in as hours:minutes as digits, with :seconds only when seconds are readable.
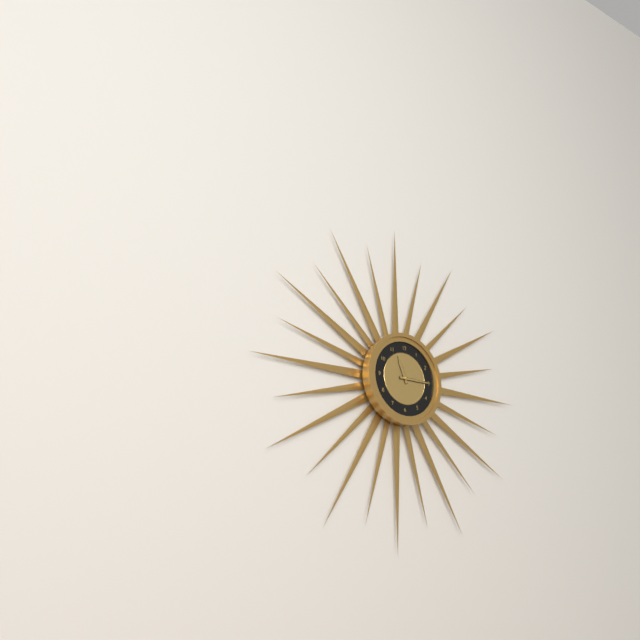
11:15
